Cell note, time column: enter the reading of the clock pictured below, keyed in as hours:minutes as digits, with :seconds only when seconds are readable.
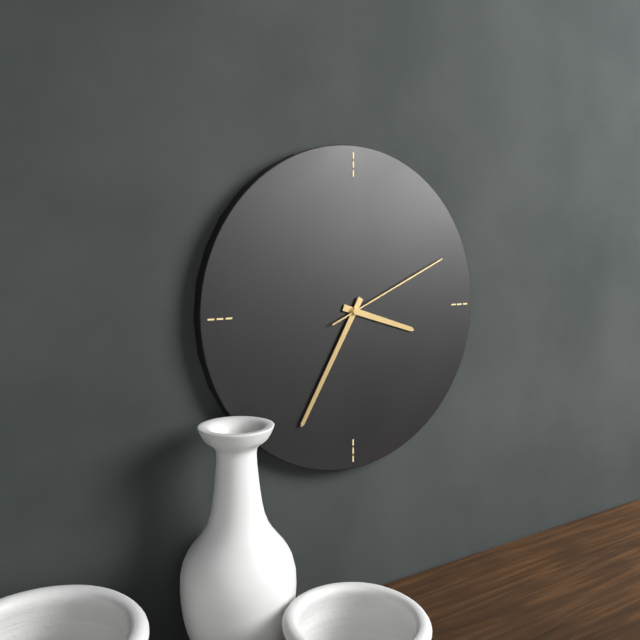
3:35:11
